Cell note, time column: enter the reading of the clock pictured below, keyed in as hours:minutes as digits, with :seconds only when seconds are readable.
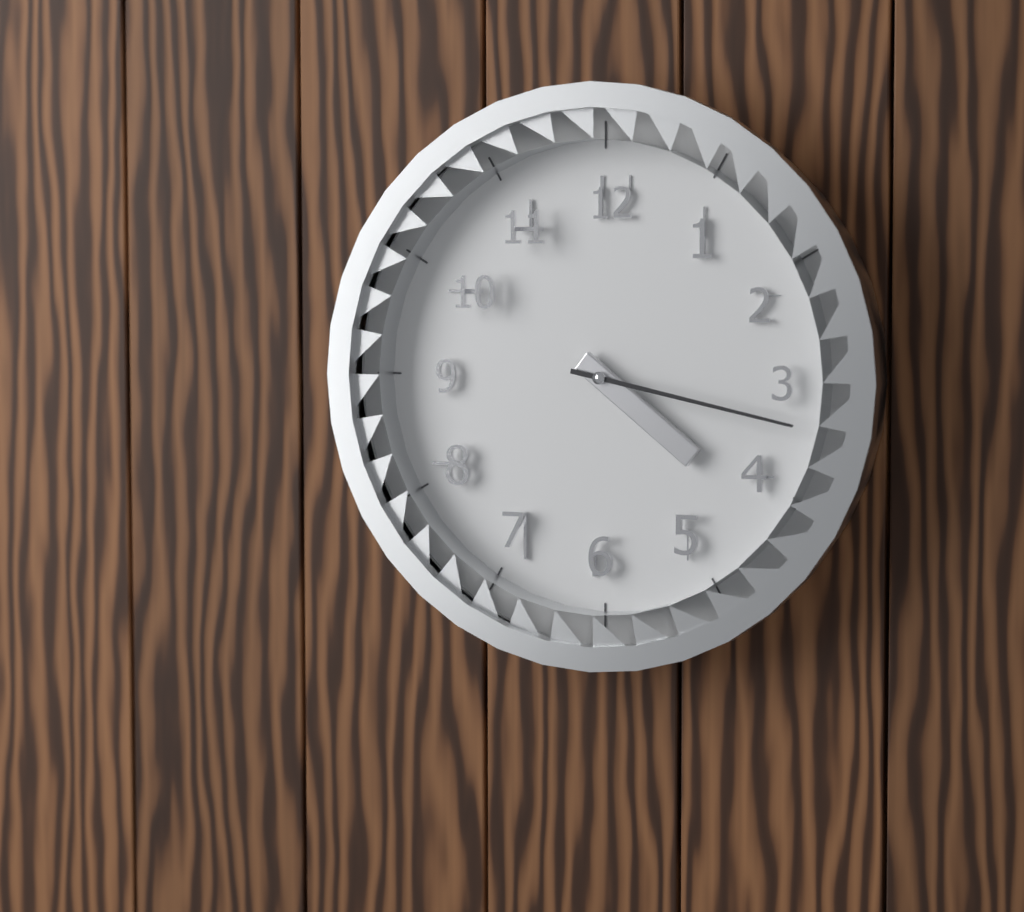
4:17
